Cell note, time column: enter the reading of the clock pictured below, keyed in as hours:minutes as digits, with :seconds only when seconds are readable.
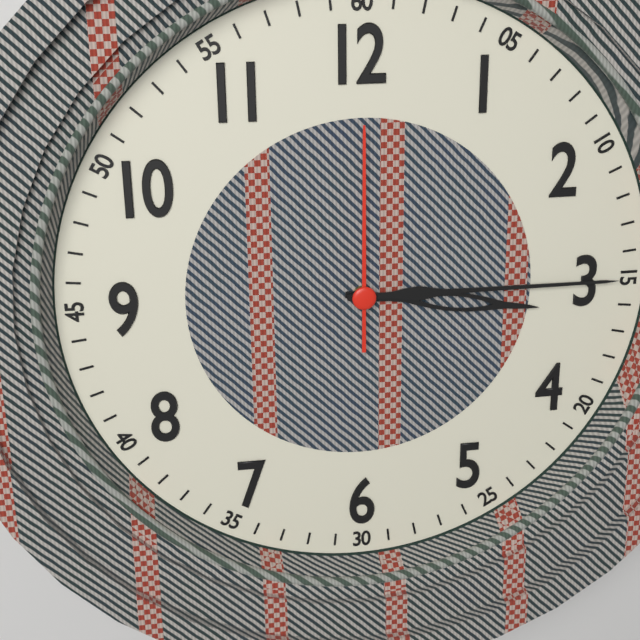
3:15:00
